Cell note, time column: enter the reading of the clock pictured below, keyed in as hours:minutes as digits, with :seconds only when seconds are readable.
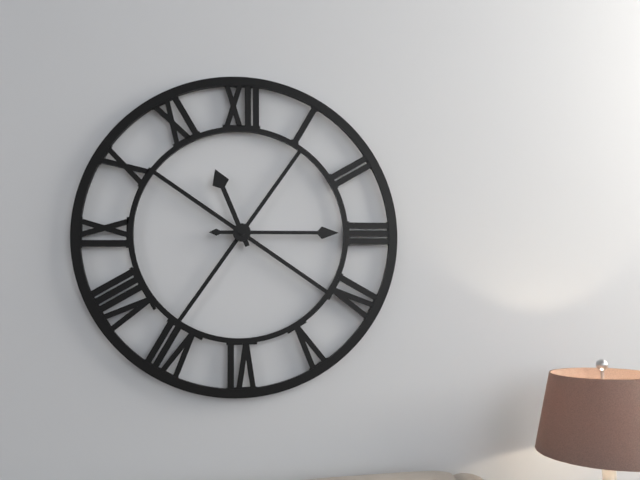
11:15
